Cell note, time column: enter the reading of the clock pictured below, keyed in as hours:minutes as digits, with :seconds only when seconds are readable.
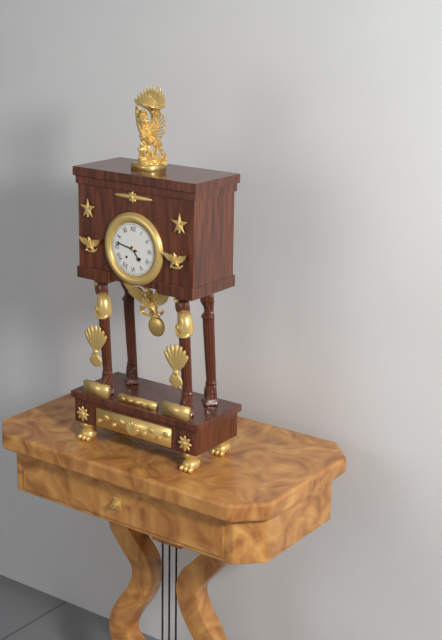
4:47
